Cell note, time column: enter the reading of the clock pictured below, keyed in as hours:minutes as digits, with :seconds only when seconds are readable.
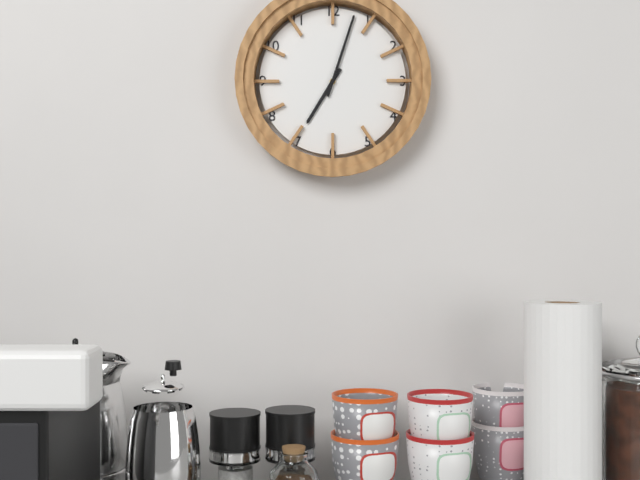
7:03
